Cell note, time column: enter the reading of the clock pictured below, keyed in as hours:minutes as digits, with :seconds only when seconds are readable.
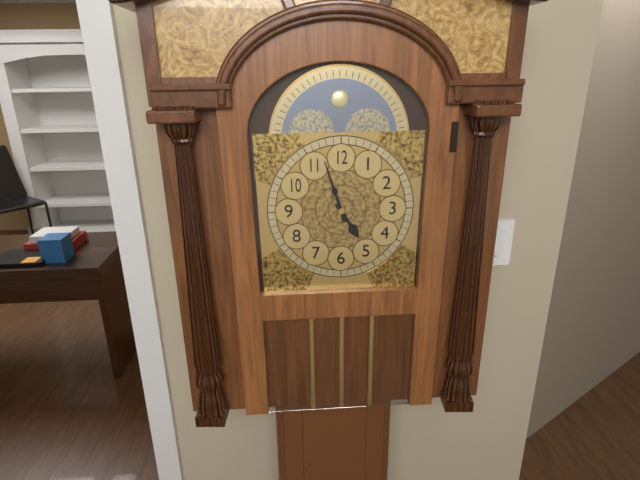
4:57
